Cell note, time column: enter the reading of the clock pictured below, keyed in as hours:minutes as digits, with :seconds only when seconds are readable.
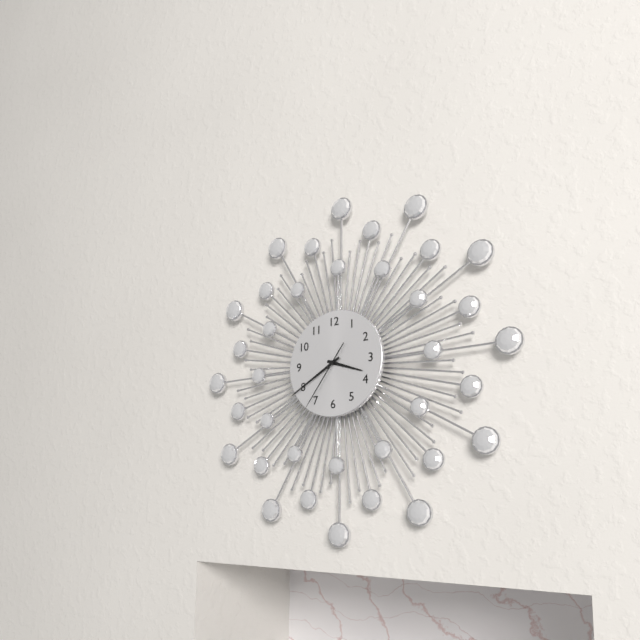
3:40:36
